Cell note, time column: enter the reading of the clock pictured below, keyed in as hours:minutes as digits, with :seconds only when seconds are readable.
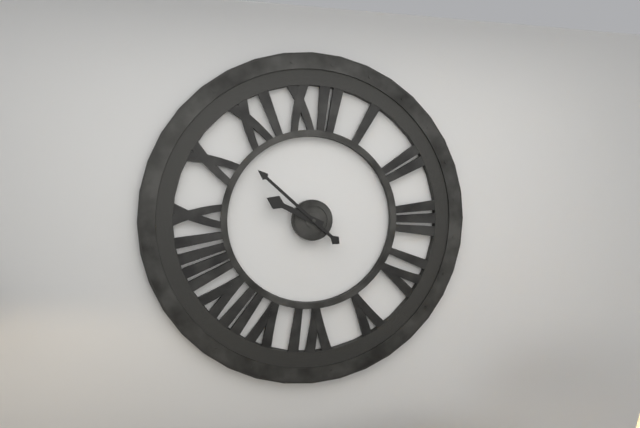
9:52
